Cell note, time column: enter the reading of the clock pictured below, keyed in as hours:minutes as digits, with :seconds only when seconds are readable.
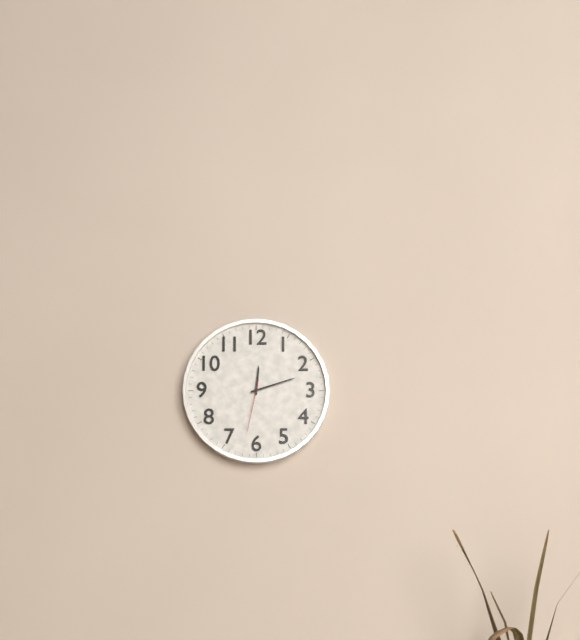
12:12:32
